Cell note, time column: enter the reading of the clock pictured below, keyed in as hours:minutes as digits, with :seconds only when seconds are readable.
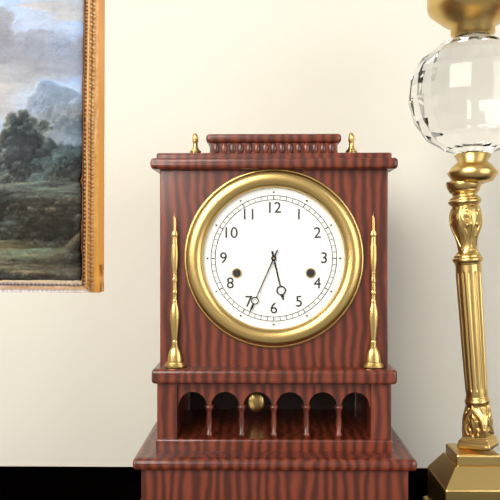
5:34
